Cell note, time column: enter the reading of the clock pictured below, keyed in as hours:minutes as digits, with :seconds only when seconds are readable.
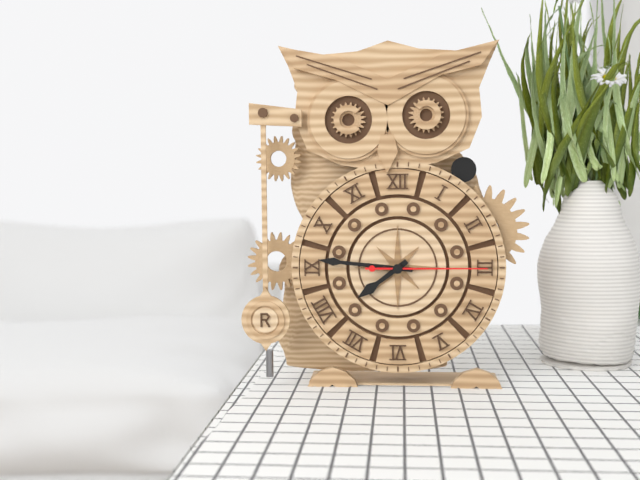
7:46:15
